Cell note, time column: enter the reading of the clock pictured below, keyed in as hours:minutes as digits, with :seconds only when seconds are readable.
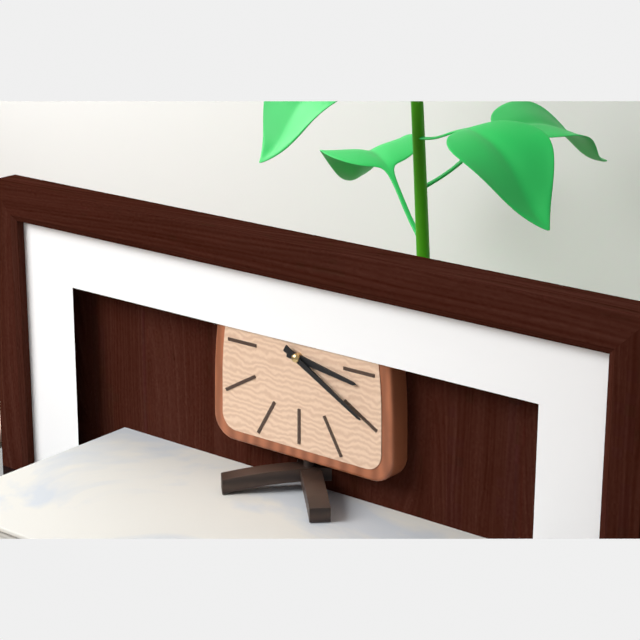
3:20
